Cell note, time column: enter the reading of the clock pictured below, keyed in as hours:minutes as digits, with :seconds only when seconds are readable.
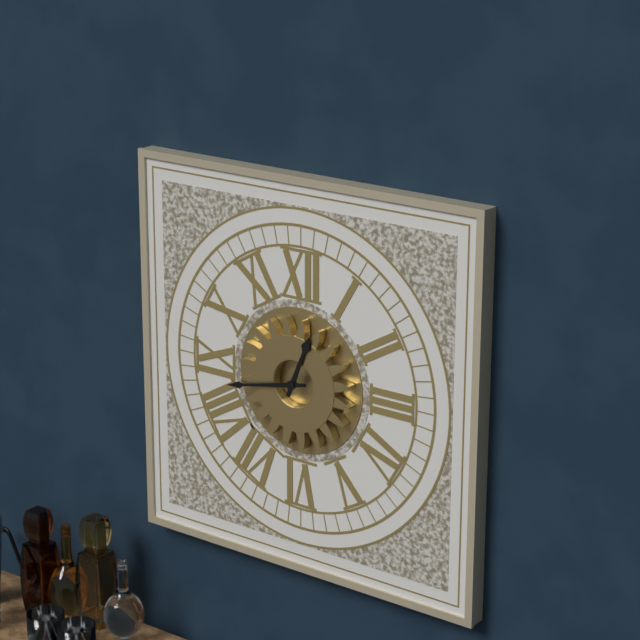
12:43
